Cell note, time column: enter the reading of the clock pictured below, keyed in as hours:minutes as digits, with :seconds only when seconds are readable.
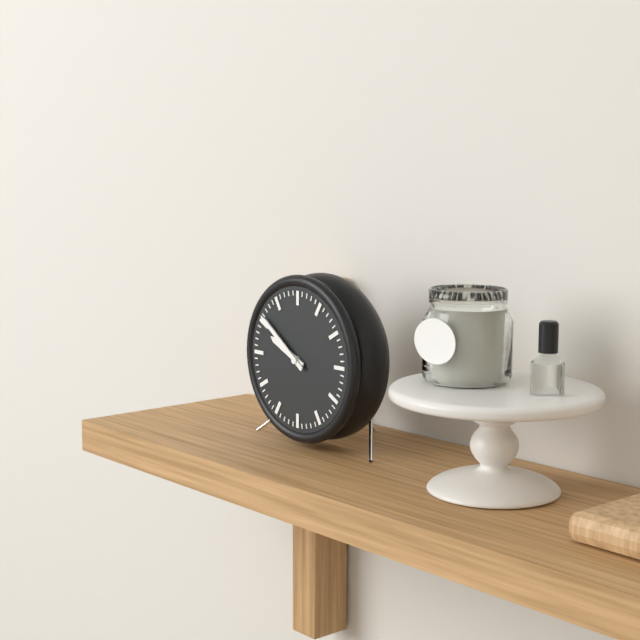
9:51
